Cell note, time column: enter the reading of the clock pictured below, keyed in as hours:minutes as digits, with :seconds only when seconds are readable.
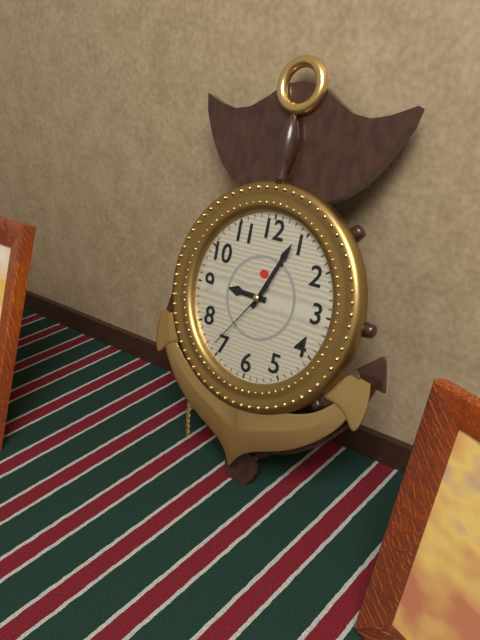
9:04:36
